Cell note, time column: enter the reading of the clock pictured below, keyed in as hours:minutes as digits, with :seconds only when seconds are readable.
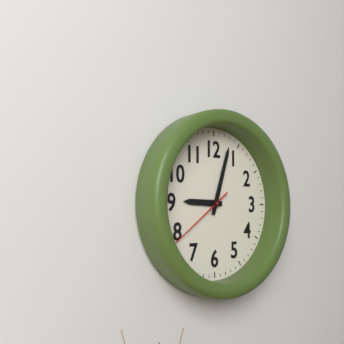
9:03:39
